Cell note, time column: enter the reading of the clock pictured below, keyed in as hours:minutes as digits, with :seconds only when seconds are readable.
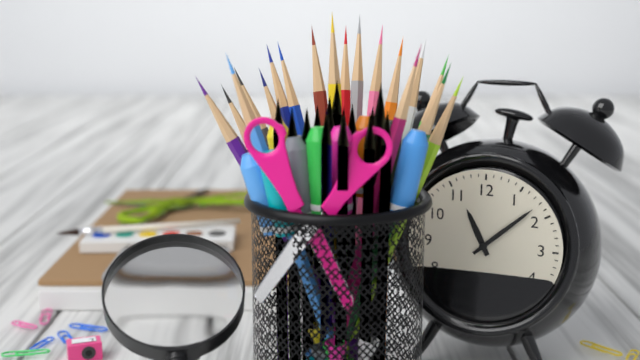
11:08
